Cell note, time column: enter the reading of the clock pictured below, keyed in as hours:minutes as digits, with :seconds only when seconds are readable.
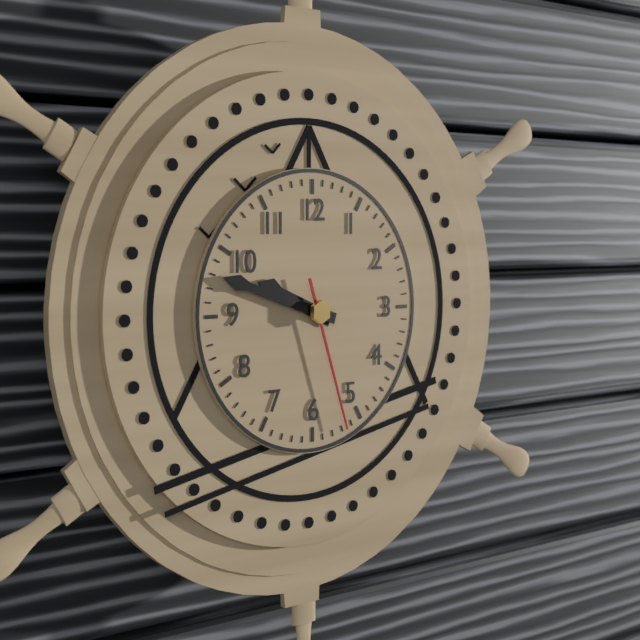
9:48:27
